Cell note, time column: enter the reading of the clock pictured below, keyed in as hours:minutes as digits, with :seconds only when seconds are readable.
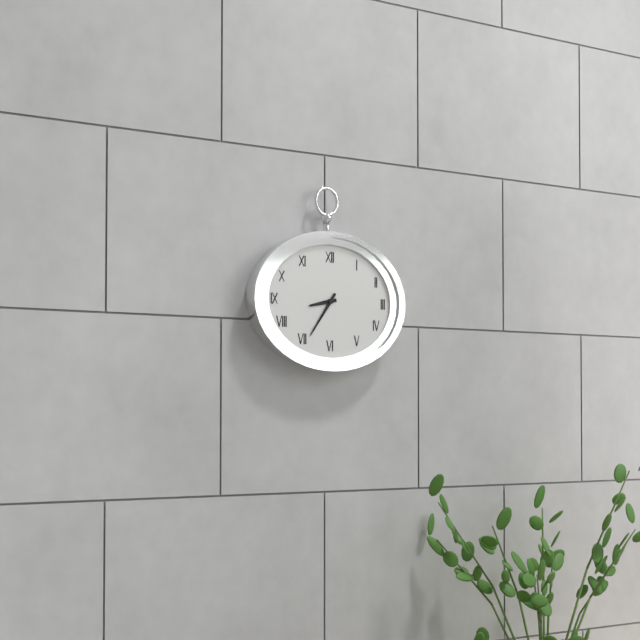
8:36
